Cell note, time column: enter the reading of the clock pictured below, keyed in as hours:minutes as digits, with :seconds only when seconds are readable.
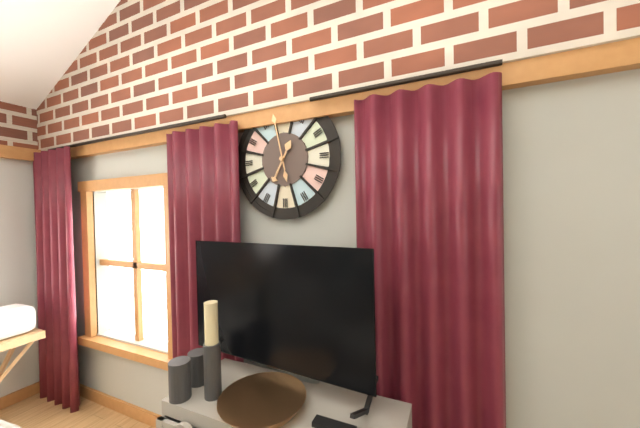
6:58
